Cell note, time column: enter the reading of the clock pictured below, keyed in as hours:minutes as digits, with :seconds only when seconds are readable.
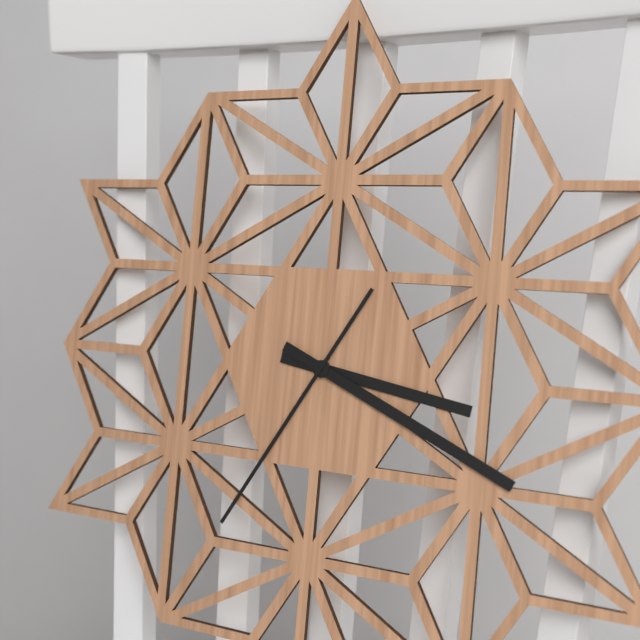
3:19:35
